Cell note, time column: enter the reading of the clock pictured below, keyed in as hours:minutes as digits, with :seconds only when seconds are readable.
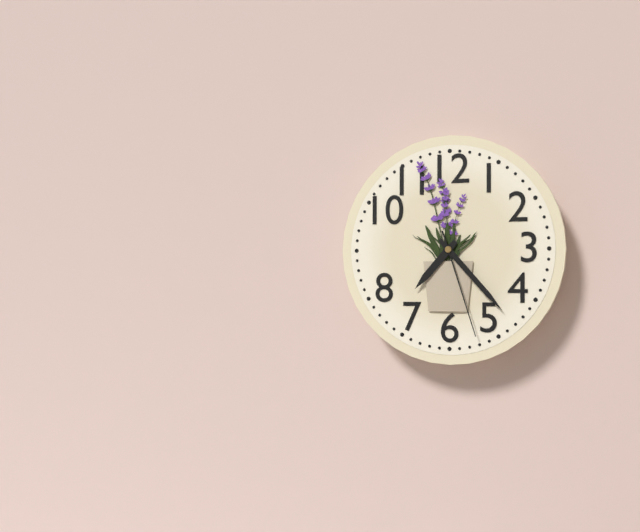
7:23:27
